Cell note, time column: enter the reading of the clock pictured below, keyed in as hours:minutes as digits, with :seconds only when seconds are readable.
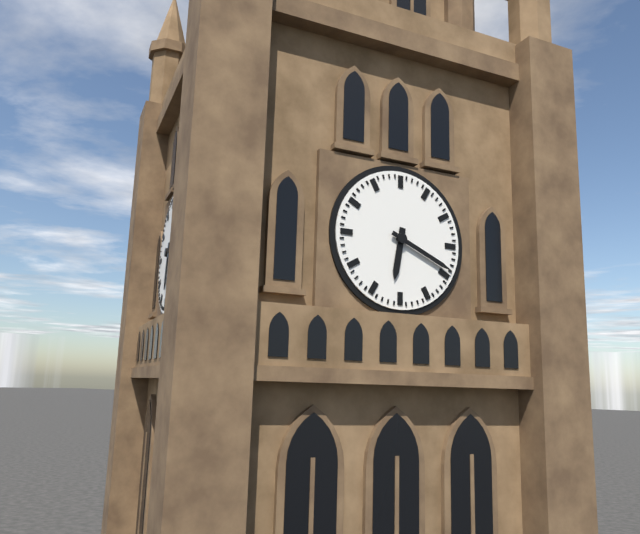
6:19
